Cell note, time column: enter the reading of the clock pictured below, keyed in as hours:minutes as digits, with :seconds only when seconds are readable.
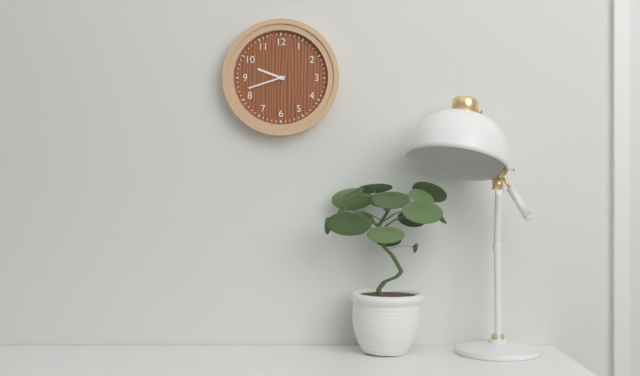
9:42
